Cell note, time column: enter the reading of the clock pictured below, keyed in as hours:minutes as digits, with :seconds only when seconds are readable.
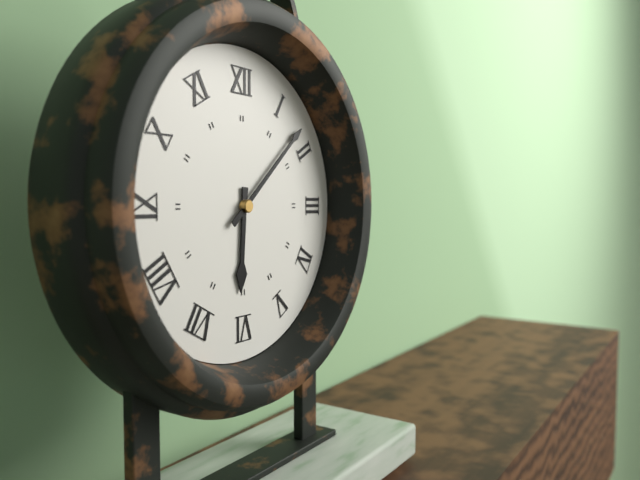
6:08
